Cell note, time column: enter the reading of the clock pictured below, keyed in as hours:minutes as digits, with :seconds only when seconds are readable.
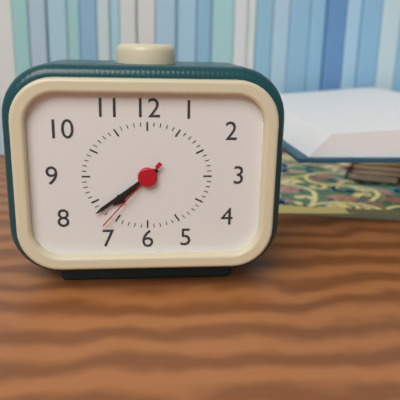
7:39:37
